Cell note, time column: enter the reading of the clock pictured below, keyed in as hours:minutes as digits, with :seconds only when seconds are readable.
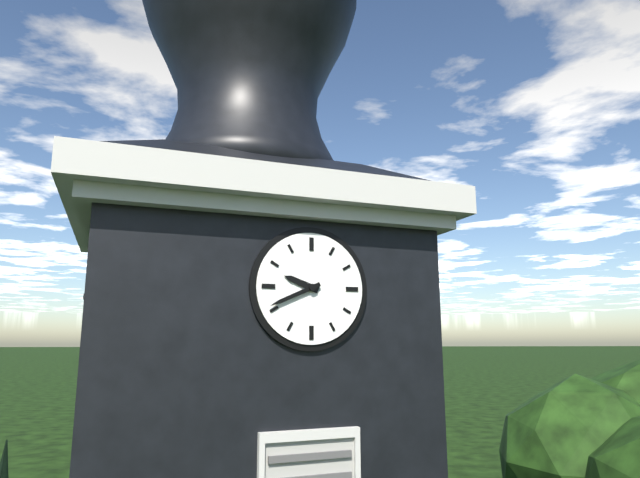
9:41
